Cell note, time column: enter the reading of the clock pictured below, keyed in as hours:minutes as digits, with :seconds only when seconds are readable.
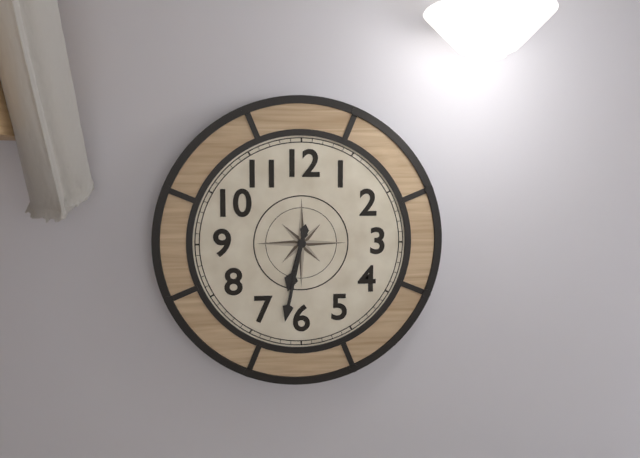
6:32
